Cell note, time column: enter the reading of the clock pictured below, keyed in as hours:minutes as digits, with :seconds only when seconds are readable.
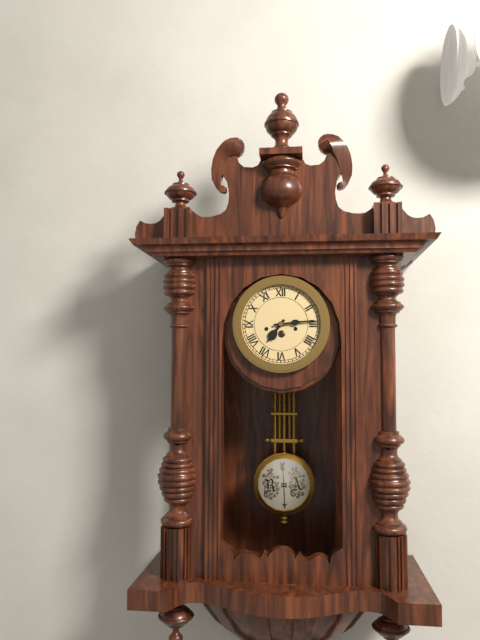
7:14
